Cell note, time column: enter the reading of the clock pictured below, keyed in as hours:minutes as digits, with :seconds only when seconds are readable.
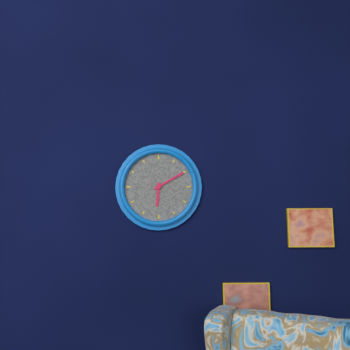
6:10
